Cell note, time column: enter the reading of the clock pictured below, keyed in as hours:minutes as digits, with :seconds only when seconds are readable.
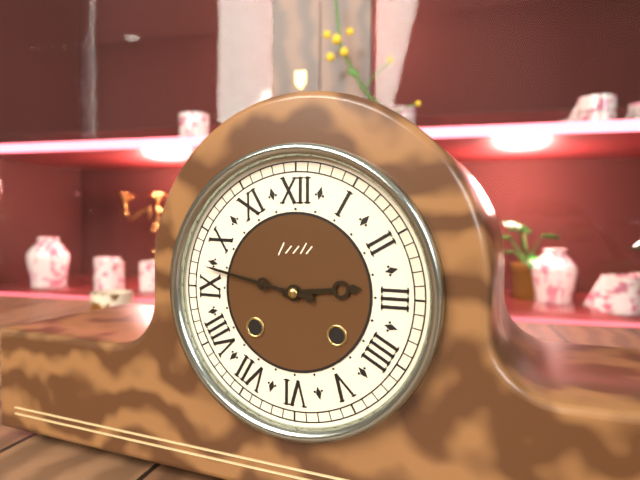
2:47
